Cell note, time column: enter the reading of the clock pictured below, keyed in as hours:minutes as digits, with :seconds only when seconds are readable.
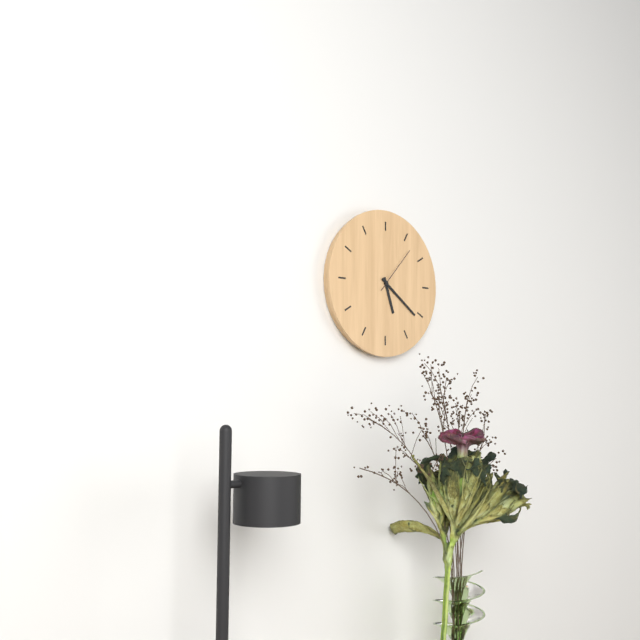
5:21:07
